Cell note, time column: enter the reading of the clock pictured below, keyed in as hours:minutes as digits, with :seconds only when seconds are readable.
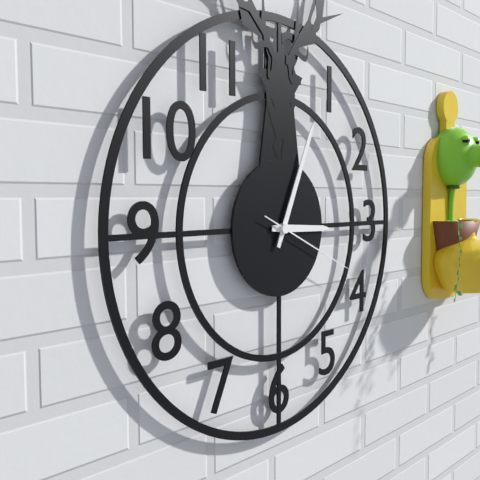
3:04:19
